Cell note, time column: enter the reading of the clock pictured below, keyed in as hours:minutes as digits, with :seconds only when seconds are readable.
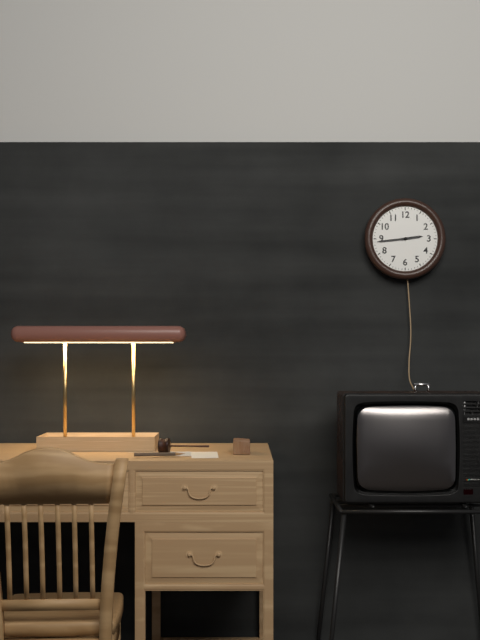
2:44
